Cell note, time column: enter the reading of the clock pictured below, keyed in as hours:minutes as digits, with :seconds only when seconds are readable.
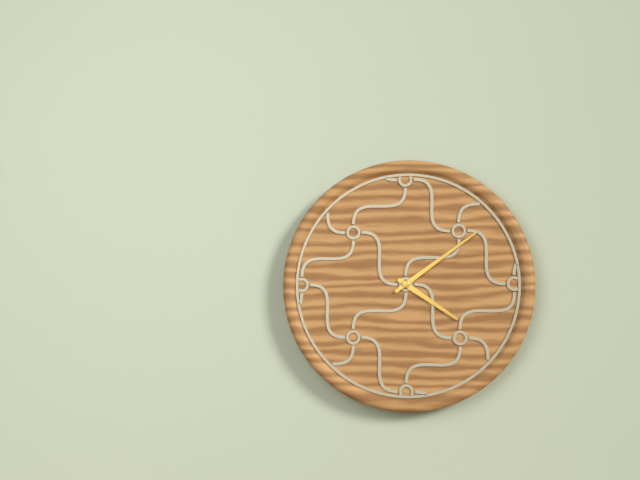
4:09
